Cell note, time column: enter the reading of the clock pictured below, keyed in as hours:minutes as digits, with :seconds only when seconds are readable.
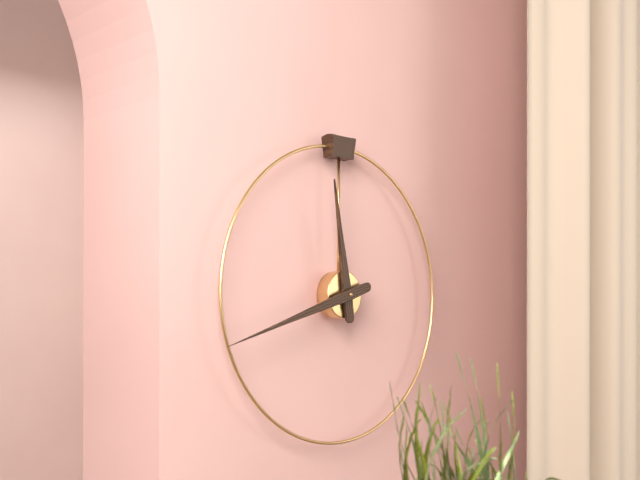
11:42
